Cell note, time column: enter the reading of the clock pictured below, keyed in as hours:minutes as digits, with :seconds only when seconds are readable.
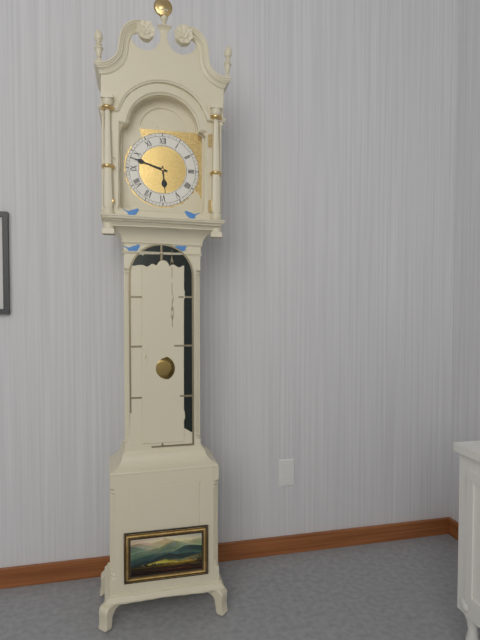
5:48
